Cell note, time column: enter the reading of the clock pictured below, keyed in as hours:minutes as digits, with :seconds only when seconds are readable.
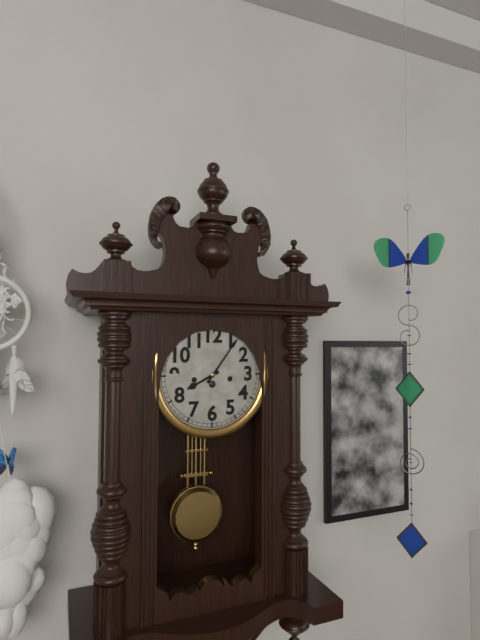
8:06
